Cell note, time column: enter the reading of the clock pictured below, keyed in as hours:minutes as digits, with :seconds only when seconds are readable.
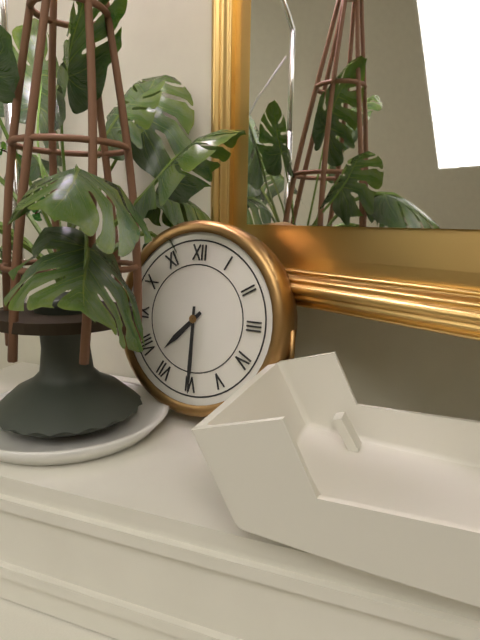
7:30
